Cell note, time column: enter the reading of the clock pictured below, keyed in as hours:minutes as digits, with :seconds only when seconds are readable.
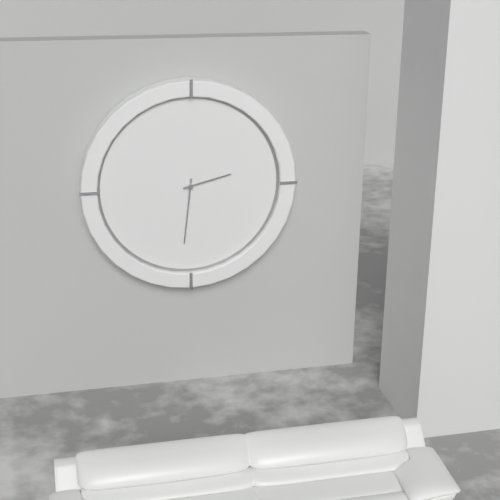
2:31
